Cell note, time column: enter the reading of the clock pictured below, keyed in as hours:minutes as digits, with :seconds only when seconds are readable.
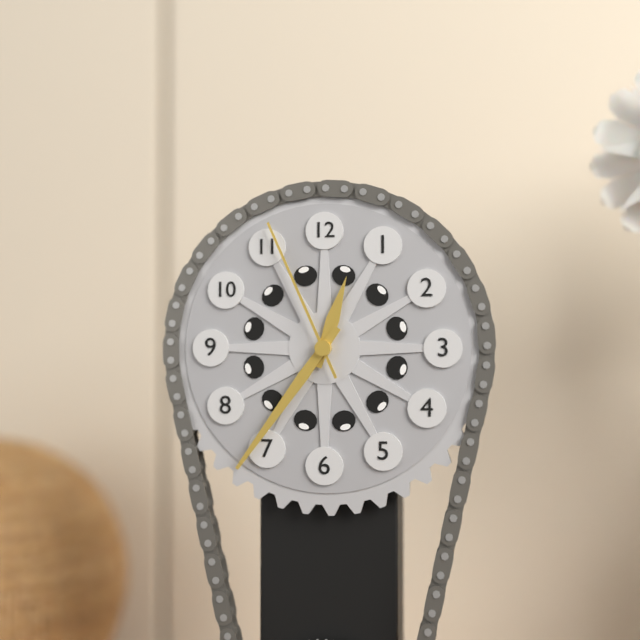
12:36:56
